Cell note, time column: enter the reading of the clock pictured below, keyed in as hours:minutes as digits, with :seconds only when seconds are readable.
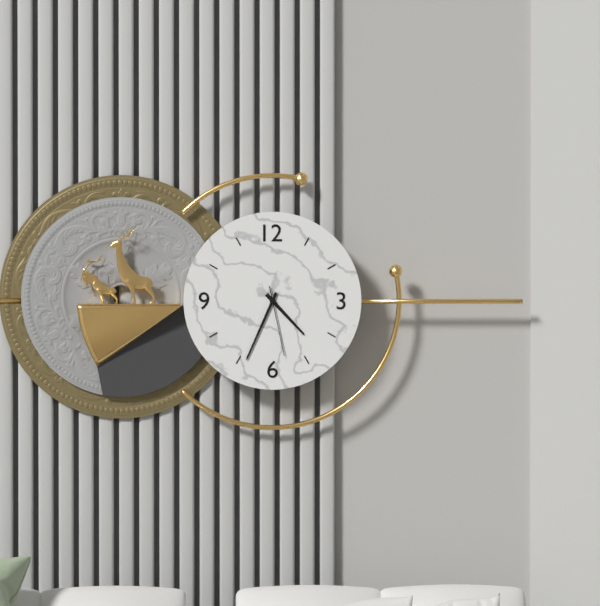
4:34:28
